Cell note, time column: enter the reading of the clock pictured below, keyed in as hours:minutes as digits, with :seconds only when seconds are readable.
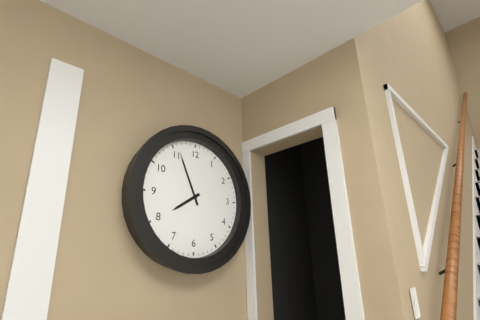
7:56
